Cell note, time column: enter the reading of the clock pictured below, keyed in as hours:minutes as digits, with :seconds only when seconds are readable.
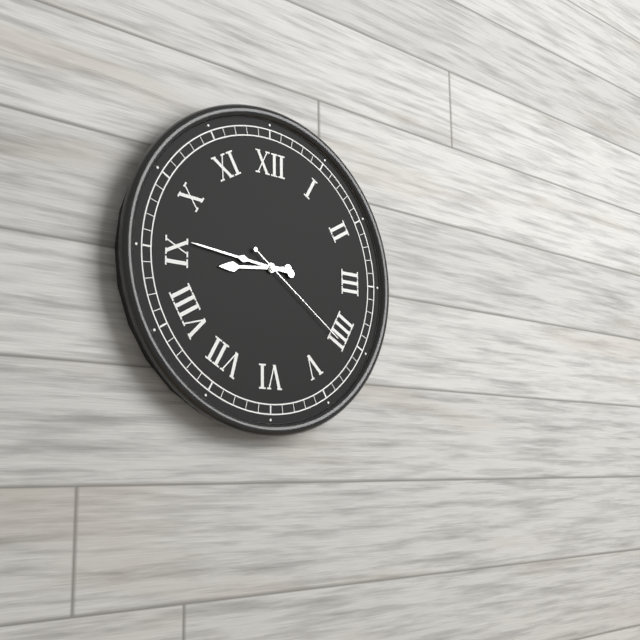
8:46:21
